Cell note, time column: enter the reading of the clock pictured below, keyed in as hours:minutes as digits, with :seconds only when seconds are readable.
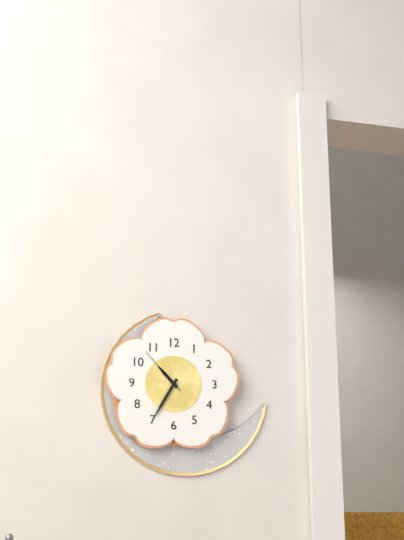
10:35:53
